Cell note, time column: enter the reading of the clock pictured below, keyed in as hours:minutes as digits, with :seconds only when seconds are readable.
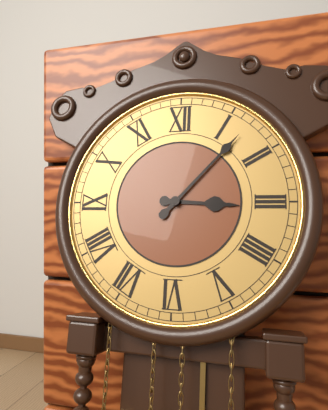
3:07
